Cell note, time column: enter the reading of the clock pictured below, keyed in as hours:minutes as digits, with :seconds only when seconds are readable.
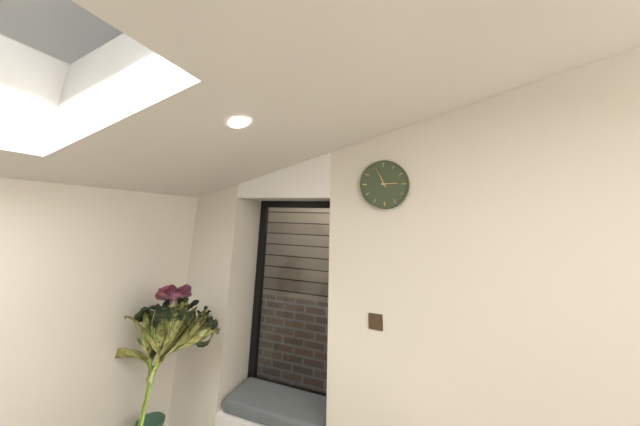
2:56
